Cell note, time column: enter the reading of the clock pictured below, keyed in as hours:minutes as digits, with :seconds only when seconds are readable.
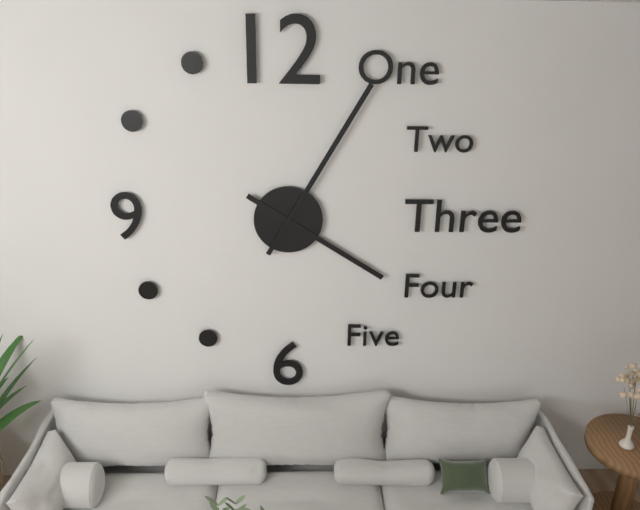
4:05
